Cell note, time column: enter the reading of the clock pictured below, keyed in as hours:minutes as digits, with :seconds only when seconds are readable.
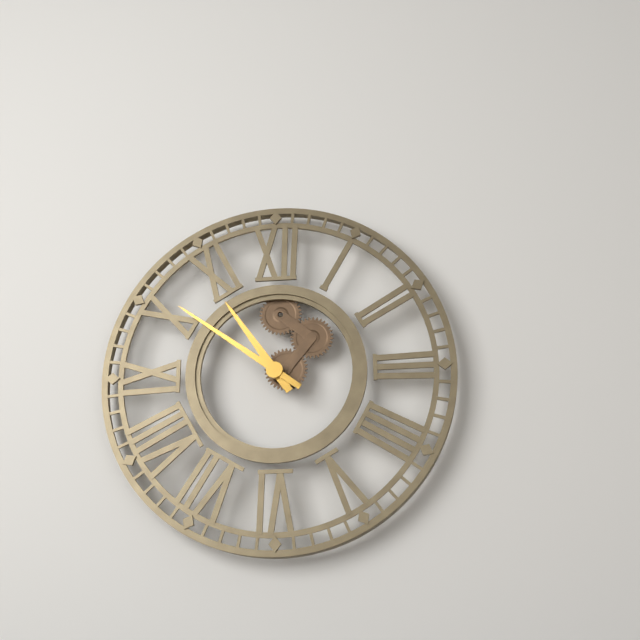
10:51
